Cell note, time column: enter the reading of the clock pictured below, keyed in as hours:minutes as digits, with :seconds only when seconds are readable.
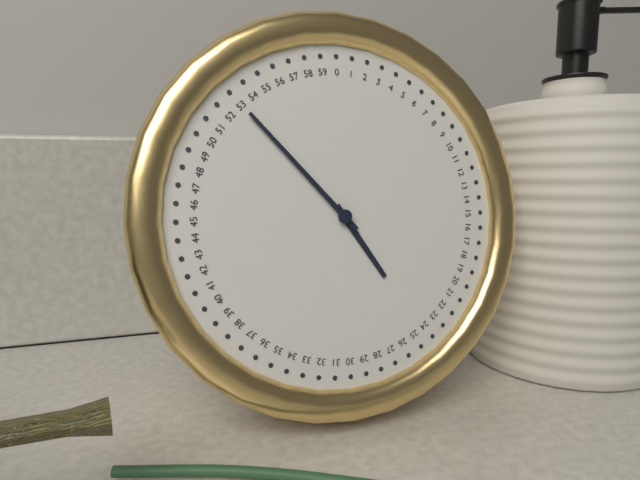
4:53
